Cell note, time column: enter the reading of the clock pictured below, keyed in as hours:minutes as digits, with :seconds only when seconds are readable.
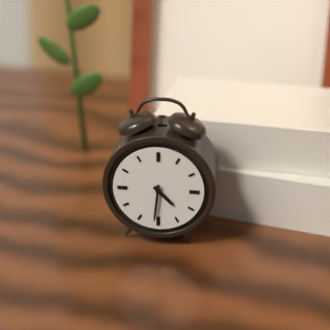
4:31
